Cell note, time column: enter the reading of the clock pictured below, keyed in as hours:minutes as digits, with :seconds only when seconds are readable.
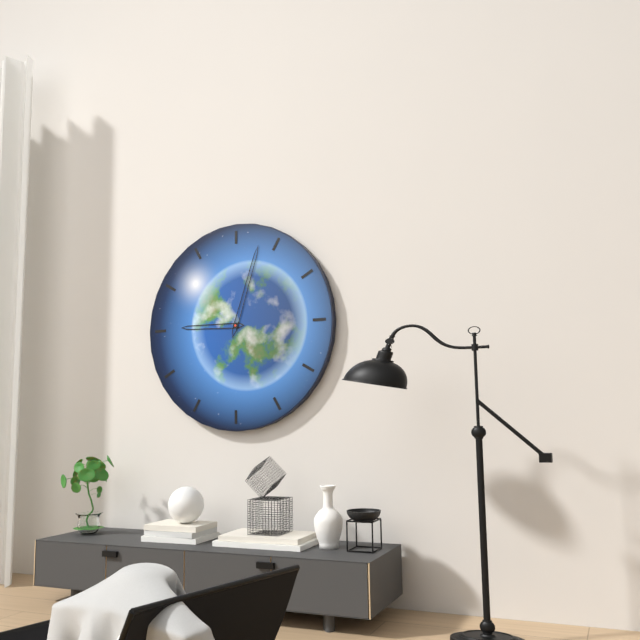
9:03
